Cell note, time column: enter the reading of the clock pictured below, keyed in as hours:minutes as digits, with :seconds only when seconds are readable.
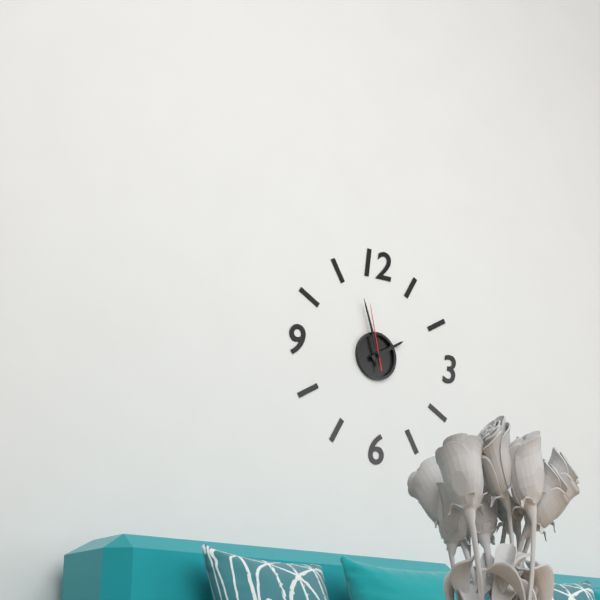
1:57:58
